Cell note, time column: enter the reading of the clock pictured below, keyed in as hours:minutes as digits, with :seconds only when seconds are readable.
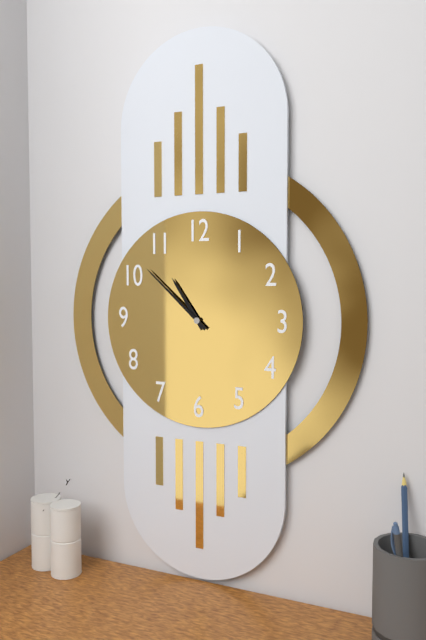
10:52
